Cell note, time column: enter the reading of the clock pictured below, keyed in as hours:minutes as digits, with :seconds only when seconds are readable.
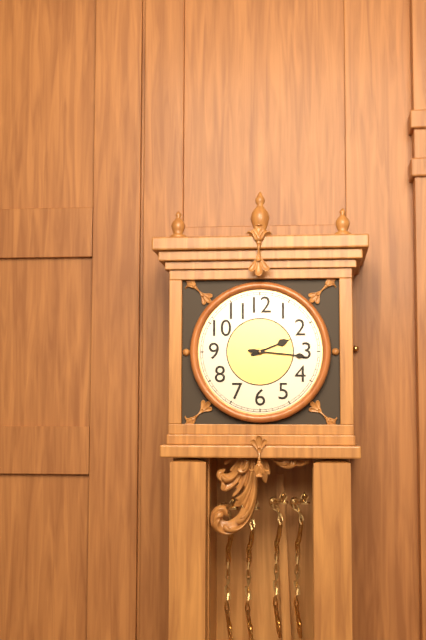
2:16
